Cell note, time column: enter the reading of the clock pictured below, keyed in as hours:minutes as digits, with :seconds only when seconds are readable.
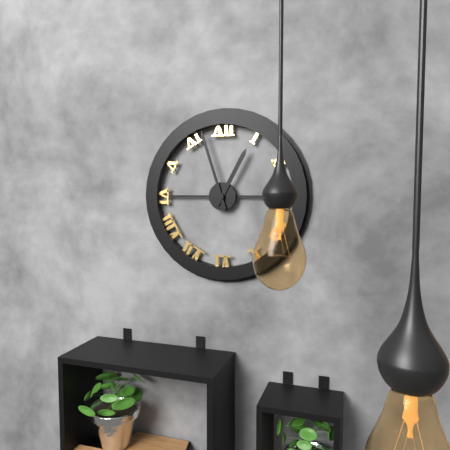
12:57
